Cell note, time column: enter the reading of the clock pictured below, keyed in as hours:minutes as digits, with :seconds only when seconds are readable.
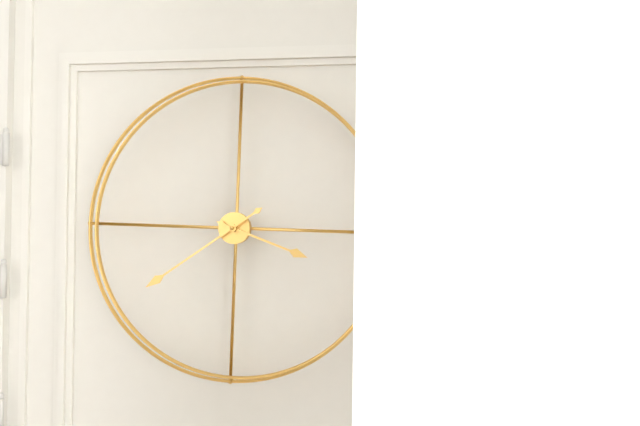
3:39
